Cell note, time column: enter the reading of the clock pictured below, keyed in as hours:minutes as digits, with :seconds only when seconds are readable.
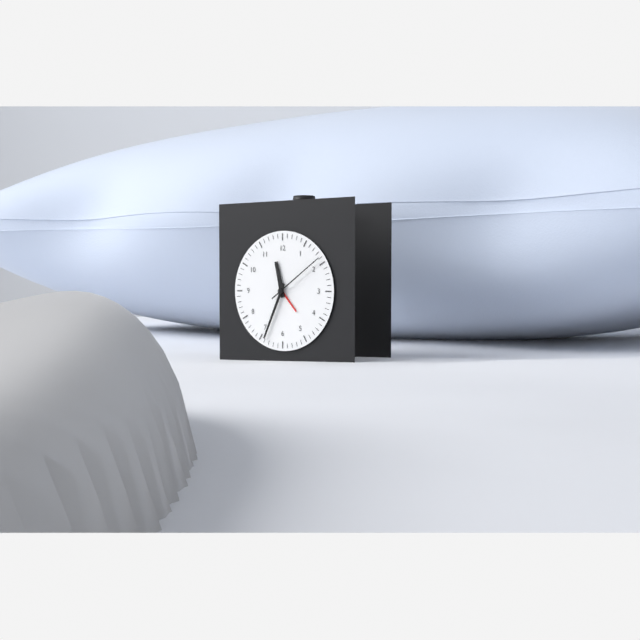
11:34:09
